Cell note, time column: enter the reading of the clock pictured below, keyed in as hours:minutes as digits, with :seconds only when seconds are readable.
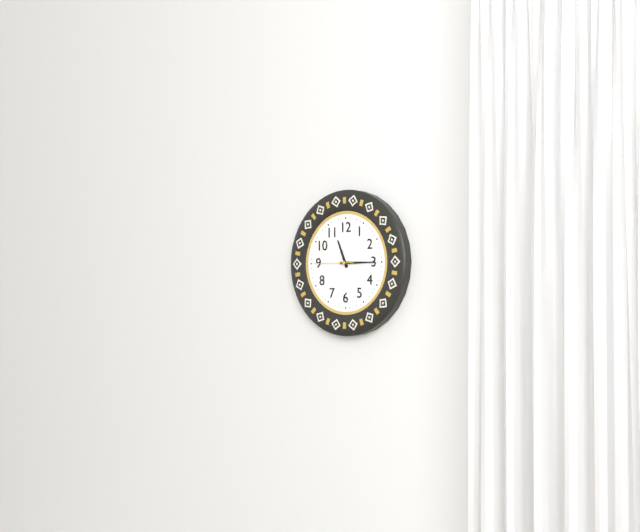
11:15
